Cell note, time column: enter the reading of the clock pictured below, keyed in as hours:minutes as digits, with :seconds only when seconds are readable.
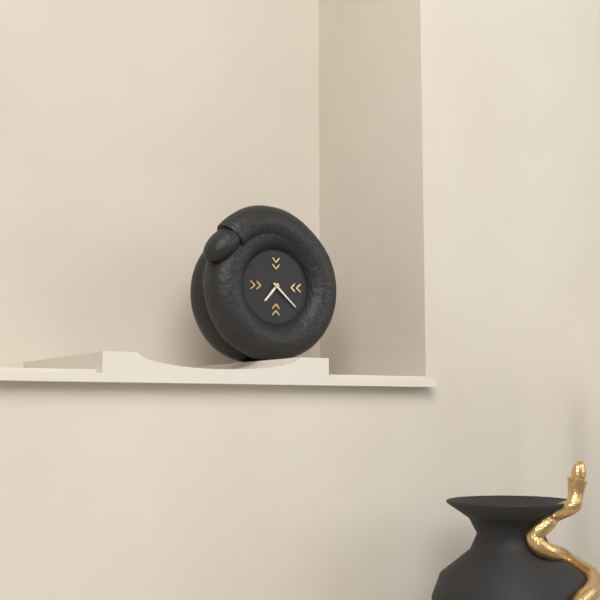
7:22
